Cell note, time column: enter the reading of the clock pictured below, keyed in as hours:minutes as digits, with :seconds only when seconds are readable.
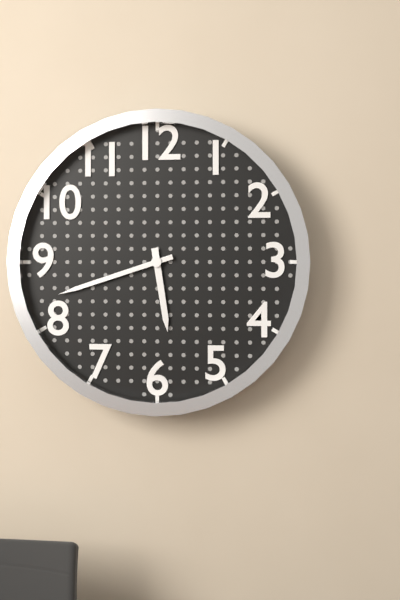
5:42
